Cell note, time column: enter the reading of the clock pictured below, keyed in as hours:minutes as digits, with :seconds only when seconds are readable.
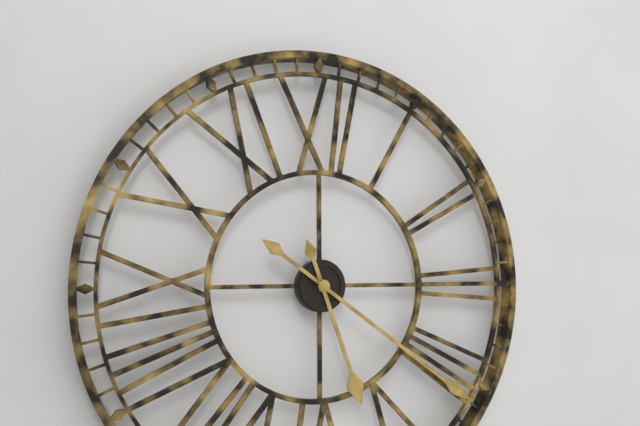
5:21
